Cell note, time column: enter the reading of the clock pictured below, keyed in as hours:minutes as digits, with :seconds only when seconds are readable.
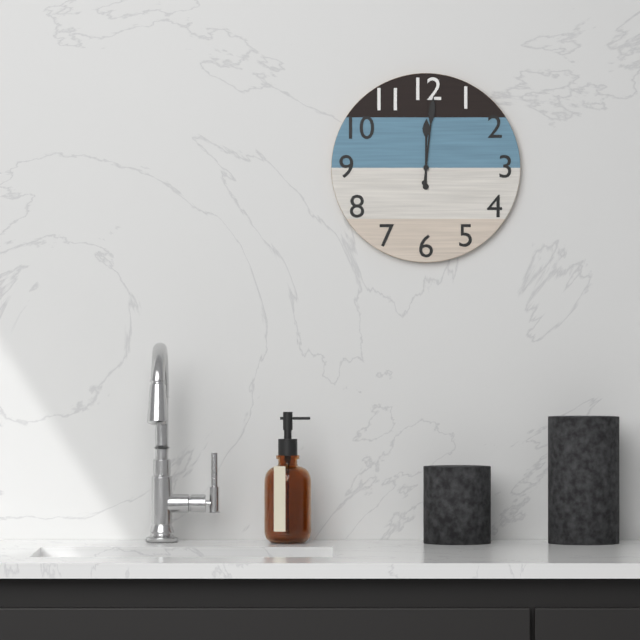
12:01
